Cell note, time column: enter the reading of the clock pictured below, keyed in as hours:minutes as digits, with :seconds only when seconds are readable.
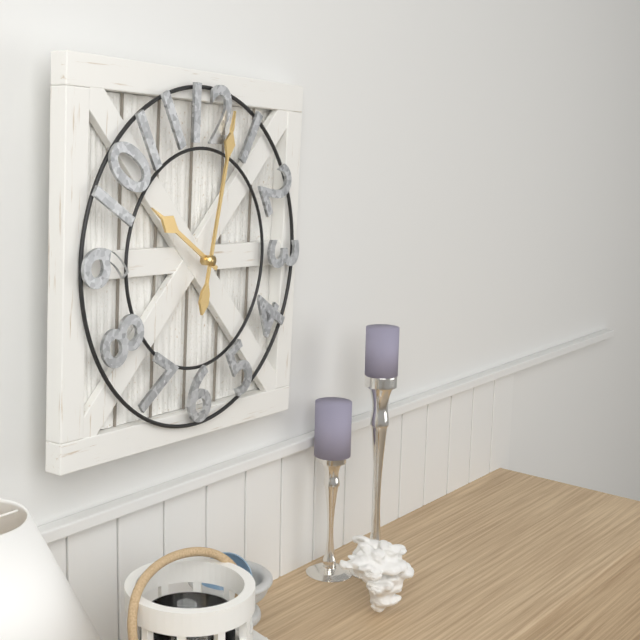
10:02
